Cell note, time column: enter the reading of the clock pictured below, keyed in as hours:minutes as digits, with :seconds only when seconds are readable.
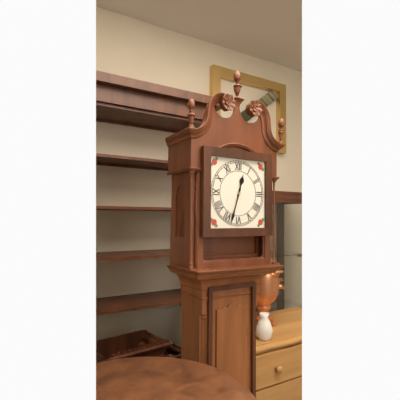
12:33
